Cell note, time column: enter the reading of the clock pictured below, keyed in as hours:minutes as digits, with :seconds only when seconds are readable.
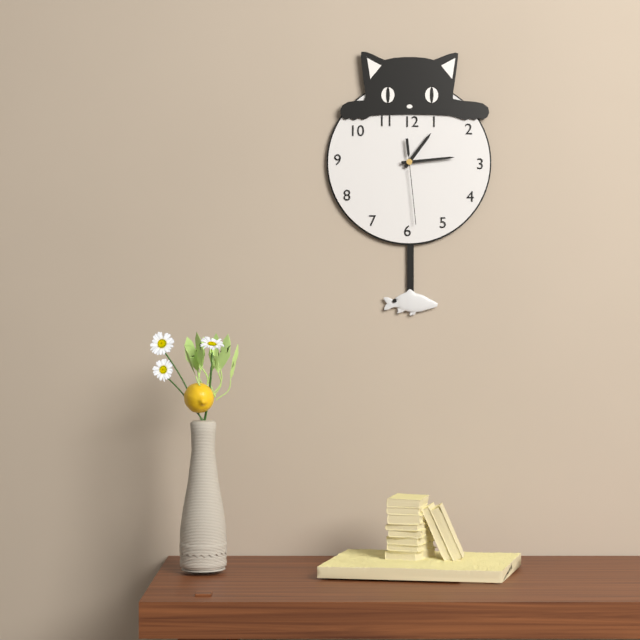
1:14:29
